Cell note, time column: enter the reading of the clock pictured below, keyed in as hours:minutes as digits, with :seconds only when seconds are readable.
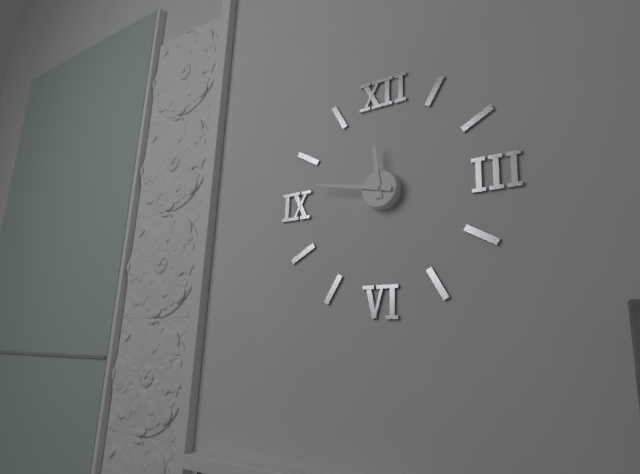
11:47
